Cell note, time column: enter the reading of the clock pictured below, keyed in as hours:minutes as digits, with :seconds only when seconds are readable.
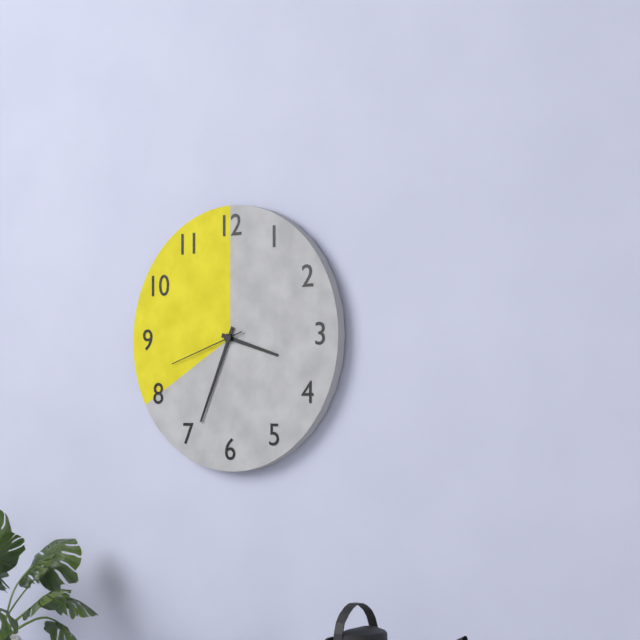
3:34:42
